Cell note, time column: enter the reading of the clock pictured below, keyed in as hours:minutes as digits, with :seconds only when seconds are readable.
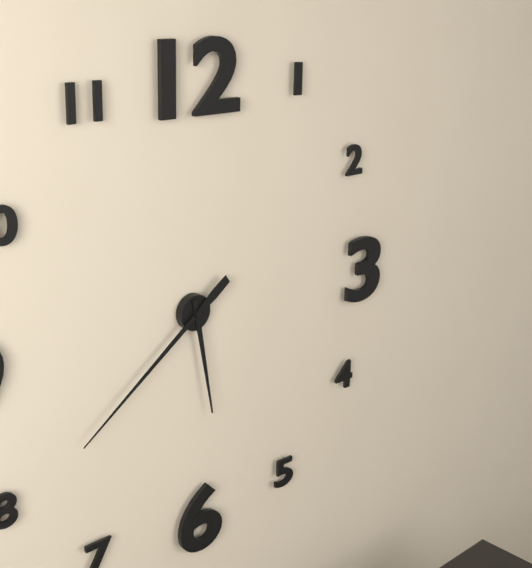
5:39
